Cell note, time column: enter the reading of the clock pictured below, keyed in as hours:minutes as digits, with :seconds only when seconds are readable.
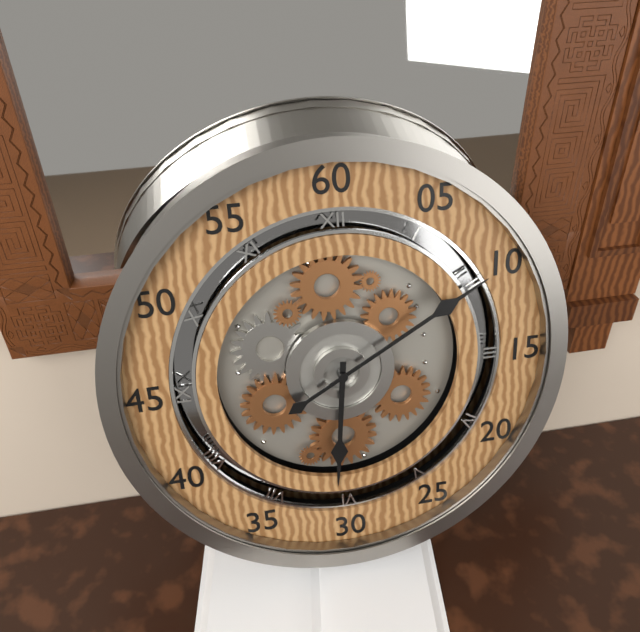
6:10
